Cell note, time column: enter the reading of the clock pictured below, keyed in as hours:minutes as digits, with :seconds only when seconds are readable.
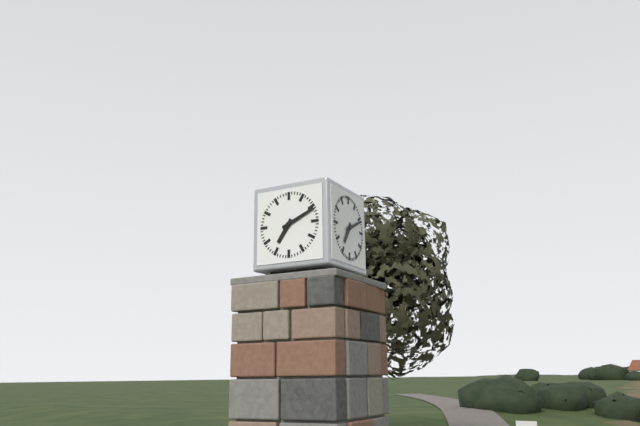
7:11
